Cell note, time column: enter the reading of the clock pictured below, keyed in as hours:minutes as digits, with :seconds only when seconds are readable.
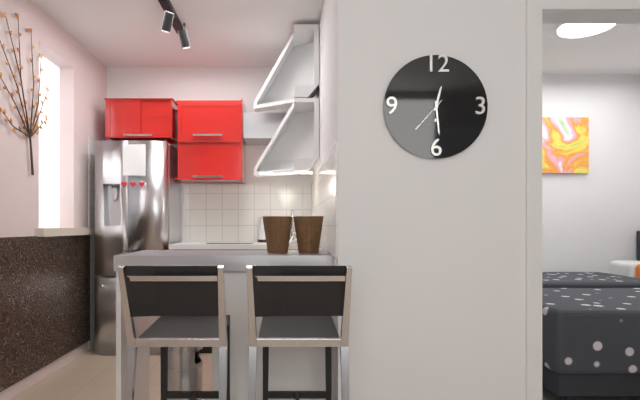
12:29
